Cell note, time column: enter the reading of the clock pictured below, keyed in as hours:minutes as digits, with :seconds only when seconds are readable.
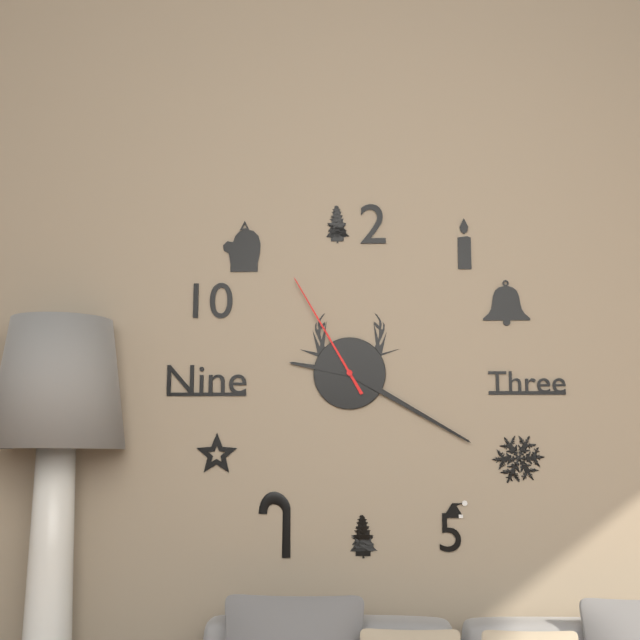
9:20:55
